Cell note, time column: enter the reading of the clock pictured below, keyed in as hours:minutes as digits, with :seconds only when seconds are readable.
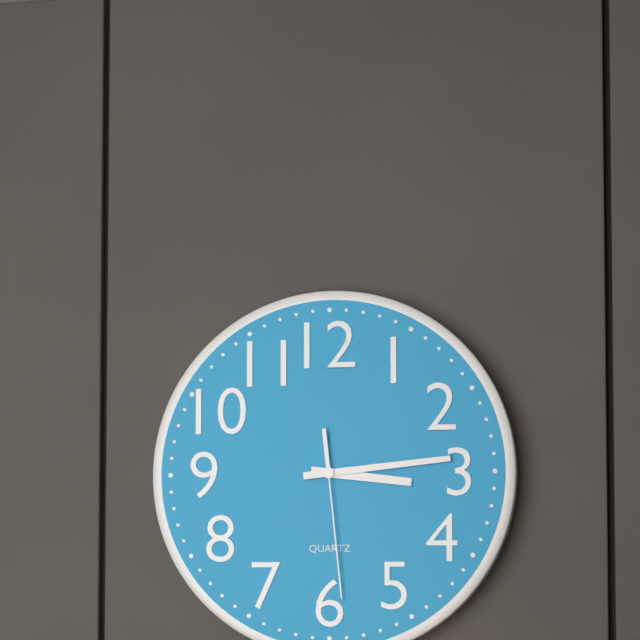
3:14:29
